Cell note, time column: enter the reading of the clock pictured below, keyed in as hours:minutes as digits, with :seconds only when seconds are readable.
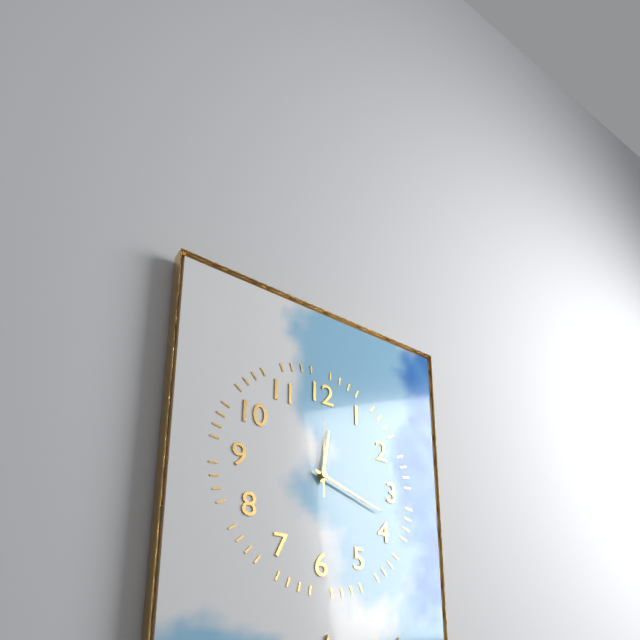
12:18:00
